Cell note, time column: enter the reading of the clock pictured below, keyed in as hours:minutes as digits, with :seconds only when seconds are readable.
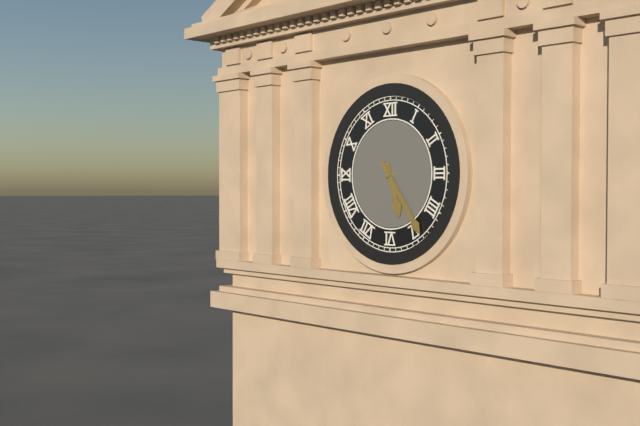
5:24
